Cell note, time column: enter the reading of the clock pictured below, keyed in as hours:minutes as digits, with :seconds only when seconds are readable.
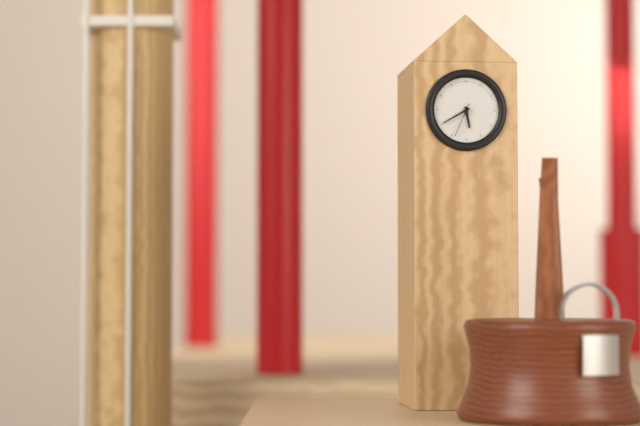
5:40
